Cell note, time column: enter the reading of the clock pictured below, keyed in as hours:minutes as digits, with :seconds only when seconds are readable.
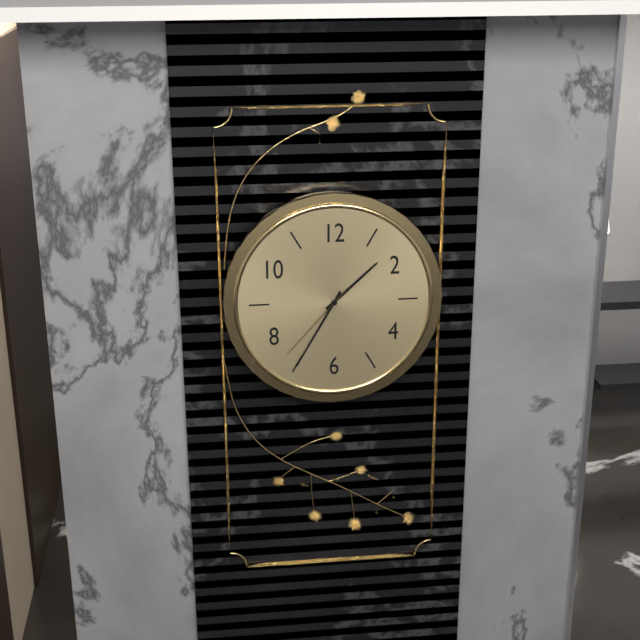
1:35:37
